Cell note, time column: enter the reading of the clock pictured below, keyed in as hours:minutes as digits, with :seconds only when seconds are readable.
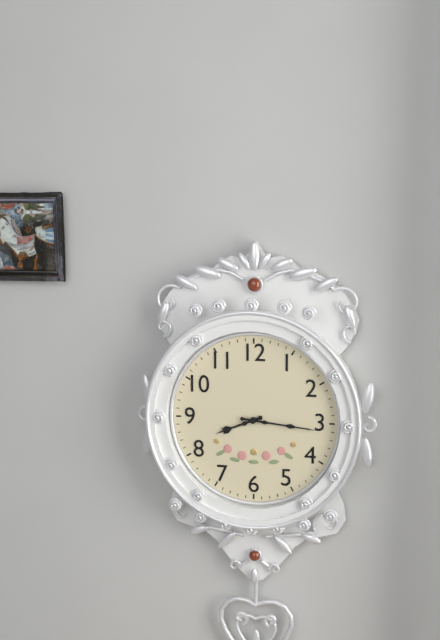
8:16
